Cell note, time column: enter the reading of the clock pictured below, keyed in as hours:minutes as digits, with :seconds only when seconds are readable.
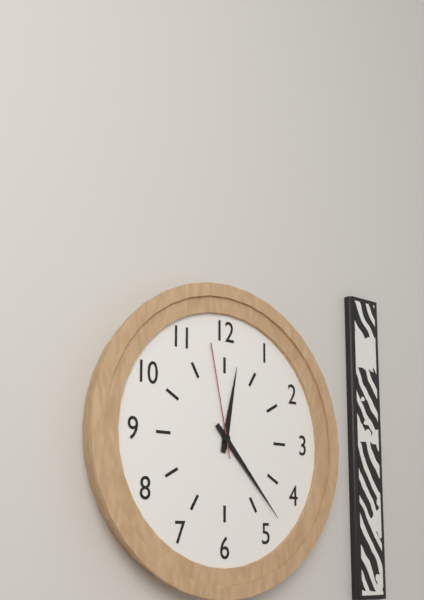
12:23:58
